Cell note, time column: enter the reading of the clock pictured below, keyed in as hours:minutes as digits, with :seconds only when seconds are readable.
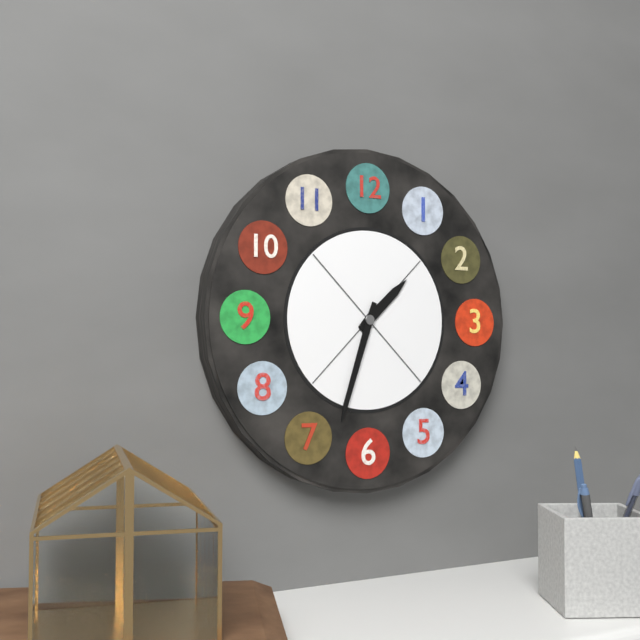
1:33
